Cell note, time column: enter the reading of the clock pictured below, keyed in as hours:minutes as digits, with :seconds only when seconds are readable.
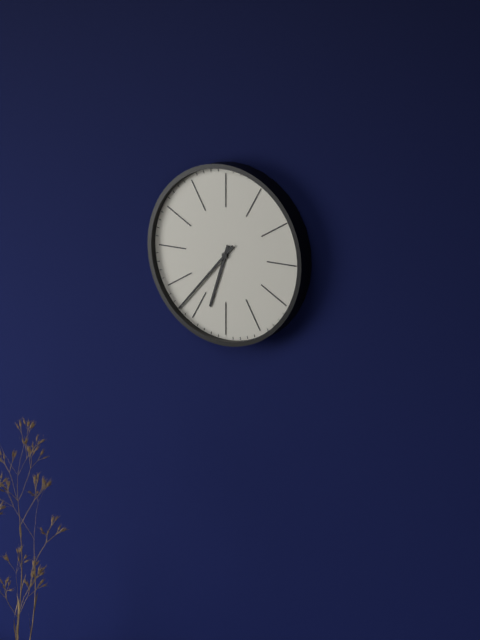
6:37
